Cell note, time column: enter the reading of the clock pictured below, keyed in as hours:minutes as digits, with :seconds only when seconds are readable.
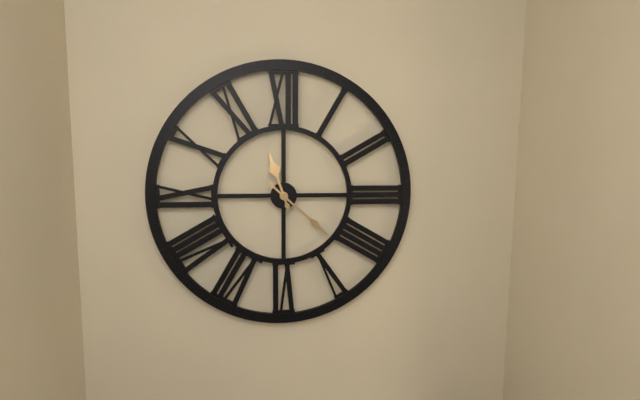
11:22
